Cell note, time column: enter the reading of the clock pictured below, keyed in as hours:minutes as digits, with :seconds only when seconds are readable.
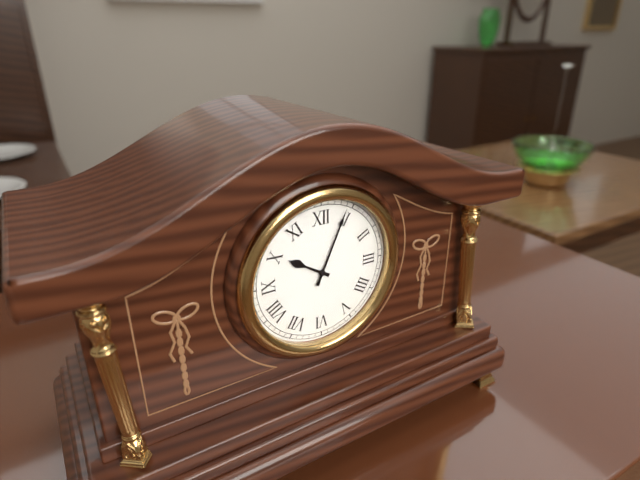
10:04
